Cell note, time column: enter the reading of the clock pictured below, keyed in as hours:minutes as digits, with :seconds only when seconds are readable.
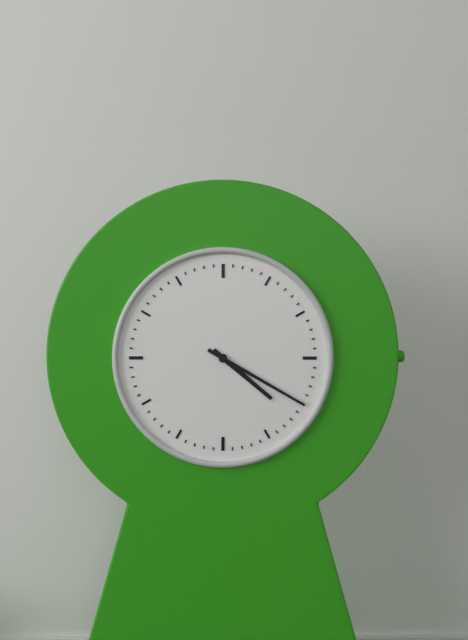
4:20
